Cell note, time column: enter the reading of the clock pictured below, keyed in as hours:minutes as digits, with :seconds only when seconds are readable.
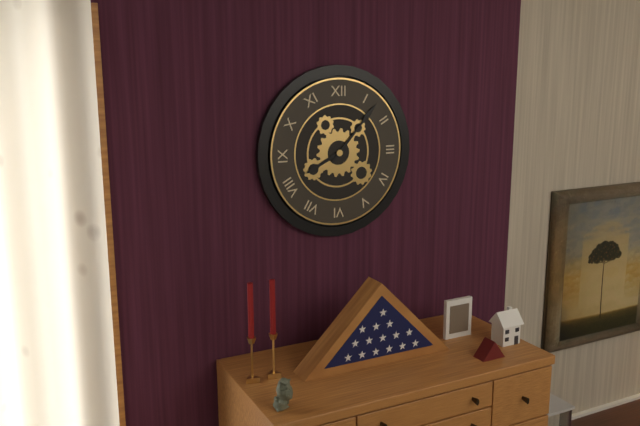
8:07
